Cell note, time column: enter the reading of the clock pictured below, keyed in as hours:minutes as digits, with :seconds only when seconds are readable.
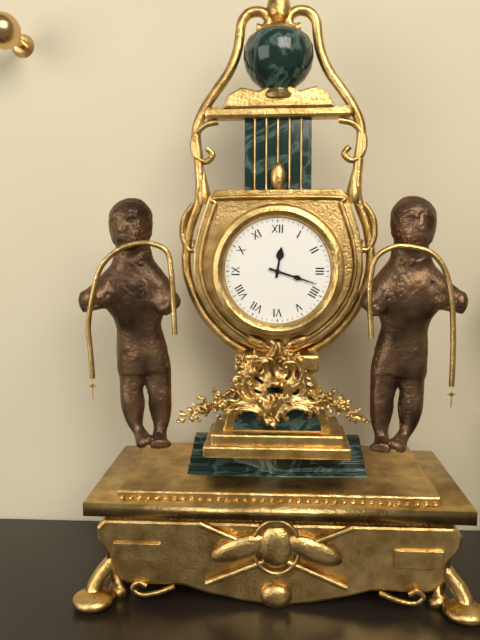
12:18
